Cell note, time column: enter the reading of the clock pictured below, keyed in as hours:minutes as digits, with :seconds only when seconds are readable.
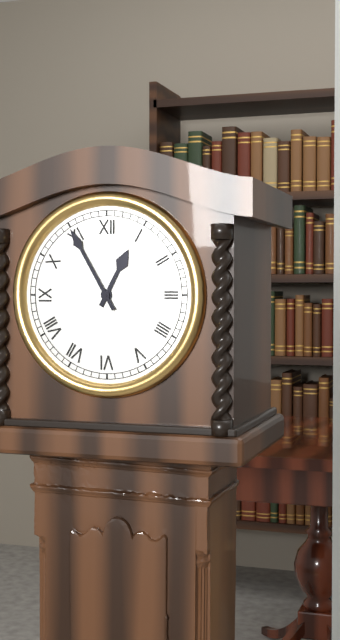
12:55
